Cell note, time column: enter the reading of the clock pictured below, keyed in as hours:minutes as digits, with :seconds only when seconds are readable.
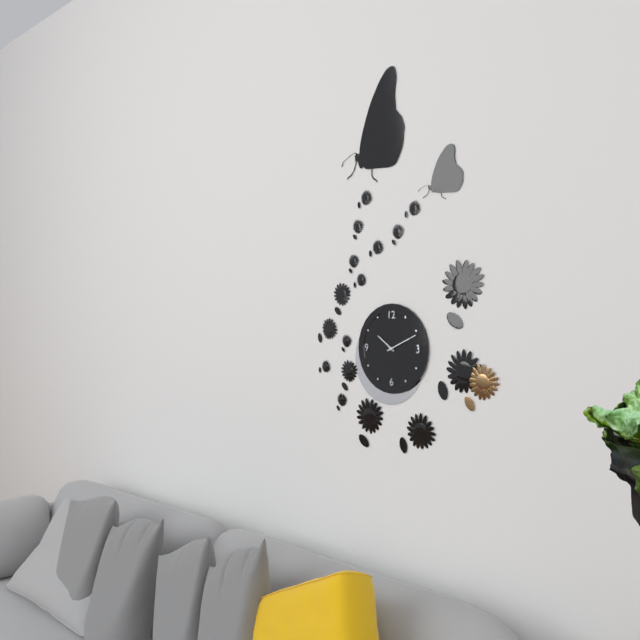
10:11
